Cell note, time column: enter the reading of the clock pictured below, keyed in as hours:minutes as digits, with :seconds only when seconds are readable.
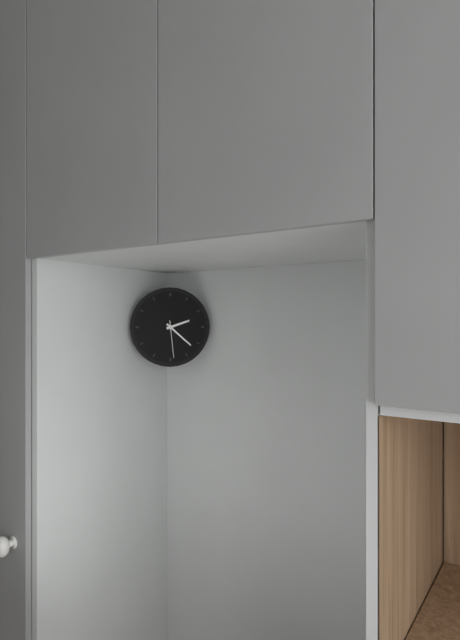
2:22
